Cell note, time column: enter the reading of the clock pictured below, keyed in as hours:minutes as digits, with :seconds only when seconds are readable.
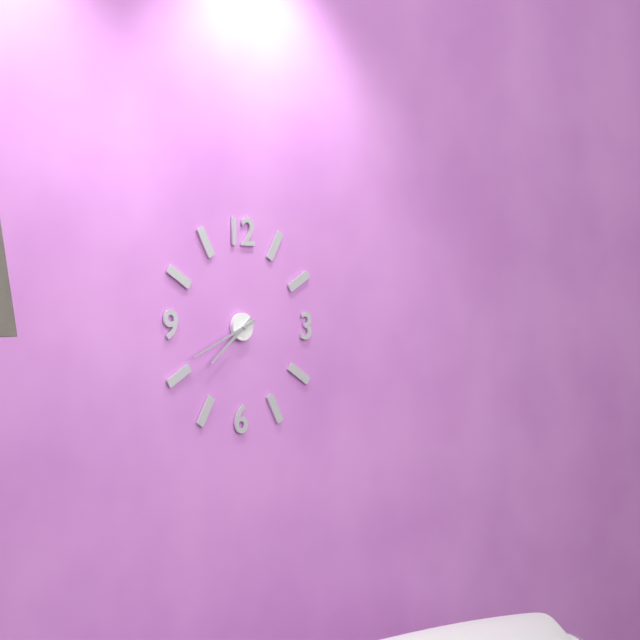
7:41
